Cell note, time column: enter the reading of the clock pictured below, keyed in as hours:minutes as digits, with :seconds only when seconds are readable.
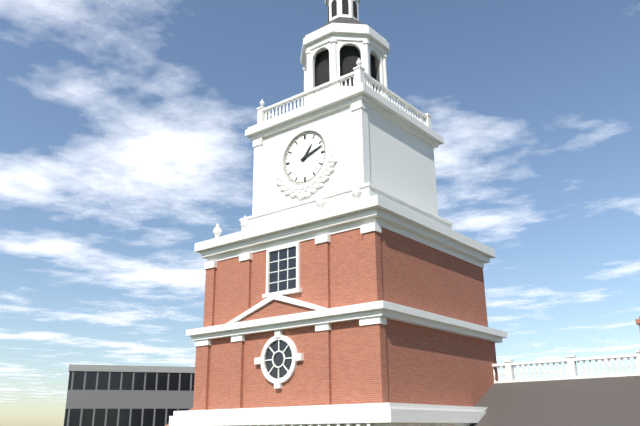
1:12
